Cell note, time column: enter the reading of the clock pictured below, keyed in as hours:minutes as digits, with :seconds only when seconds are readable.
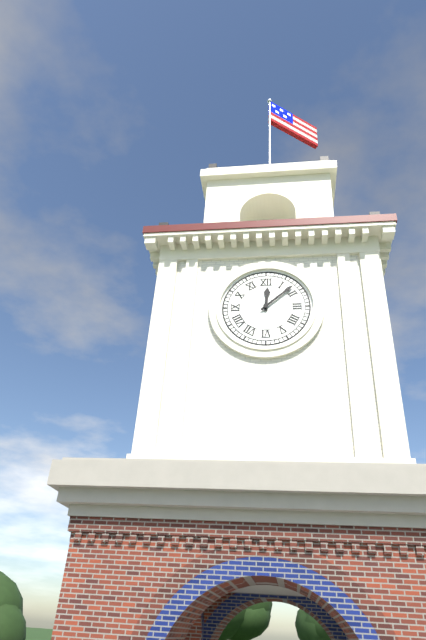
12:08
